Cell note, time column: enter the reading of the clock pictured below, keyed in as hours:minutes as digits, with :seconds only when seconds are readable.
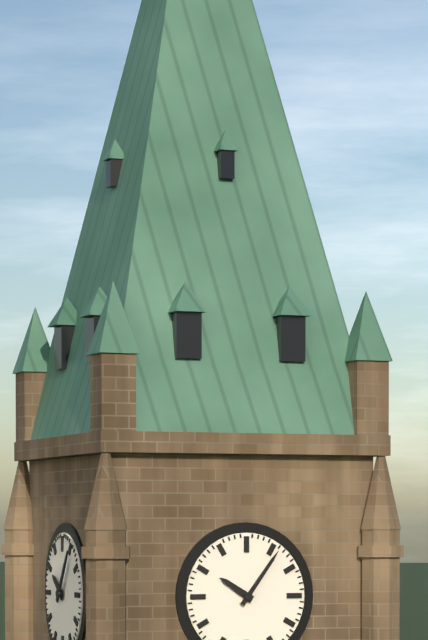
10:06
